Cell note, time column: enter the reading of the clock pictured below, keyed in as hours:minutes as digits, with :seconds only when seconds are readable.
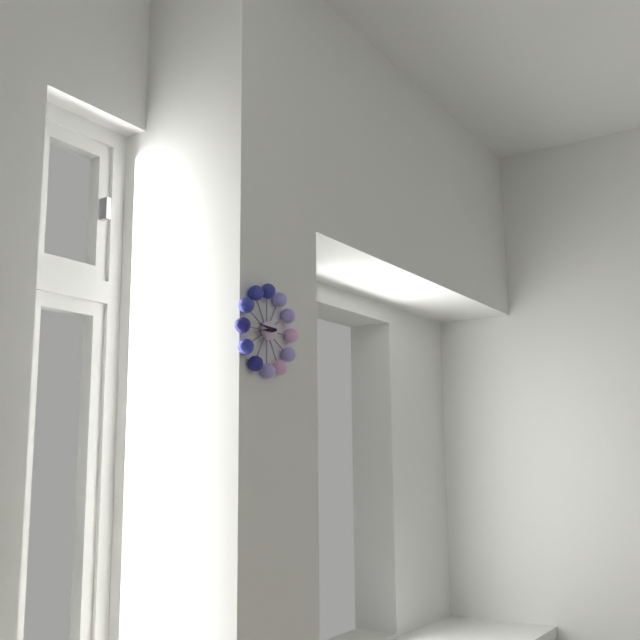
8:46
